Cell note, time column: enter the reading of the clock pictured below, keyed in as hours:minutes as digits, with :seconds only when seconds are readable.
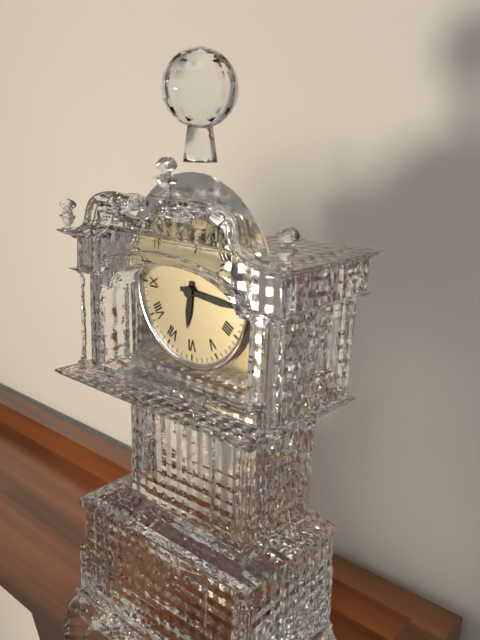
6:16
